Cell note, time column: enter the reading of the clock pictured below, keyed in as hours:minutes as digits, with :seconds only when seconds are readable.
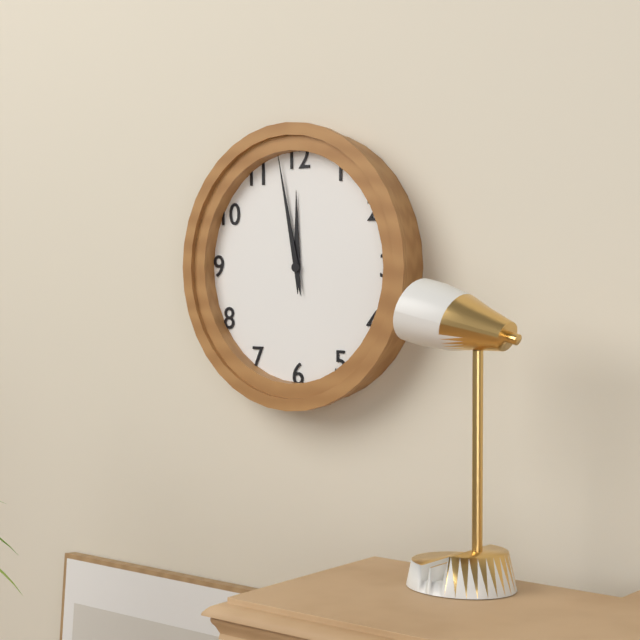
11:58
